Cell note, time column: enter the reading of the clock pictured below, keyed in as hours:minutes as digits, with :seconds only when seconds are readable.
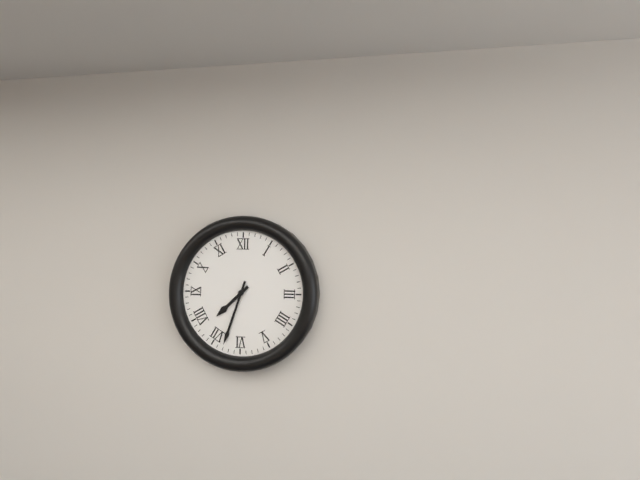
7:33
